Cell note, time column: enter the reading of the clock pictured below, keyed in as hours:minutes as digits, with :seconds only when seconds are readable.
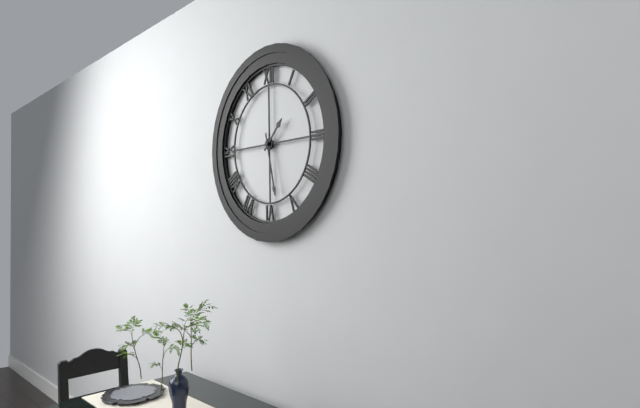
1:28
